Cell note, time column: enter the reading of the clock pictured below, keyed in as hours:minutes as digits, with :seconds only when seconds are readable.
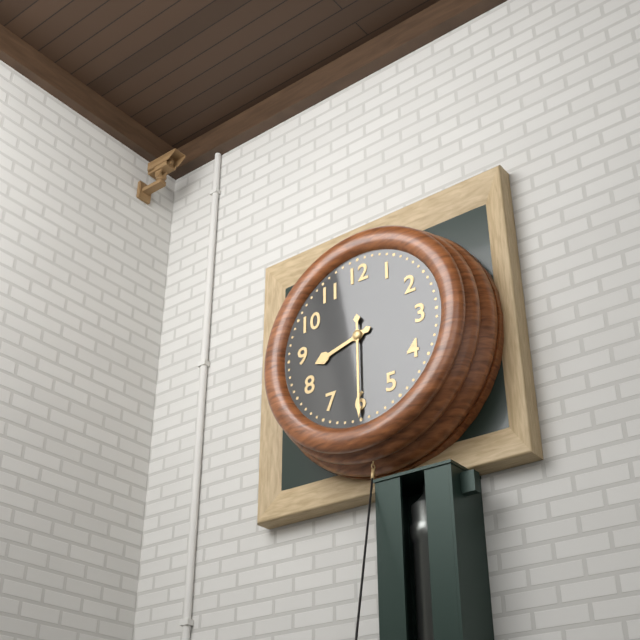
8:30
